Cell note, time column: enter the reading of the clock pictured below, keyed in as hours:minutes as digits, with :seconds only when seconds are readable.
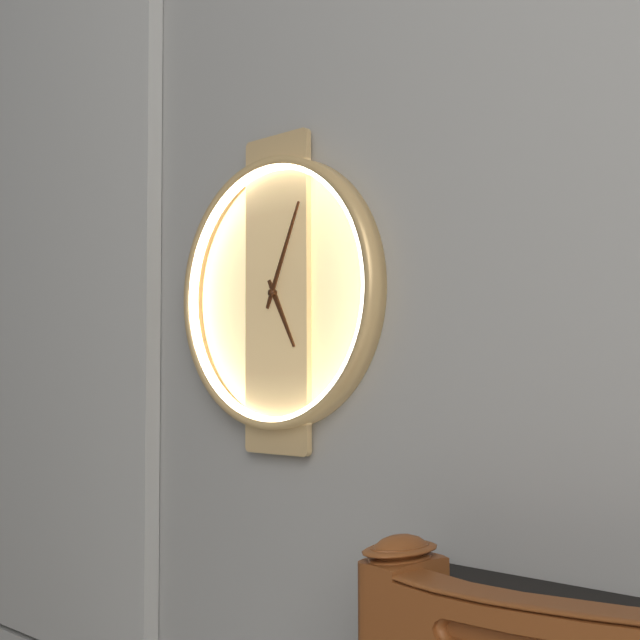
5:04
